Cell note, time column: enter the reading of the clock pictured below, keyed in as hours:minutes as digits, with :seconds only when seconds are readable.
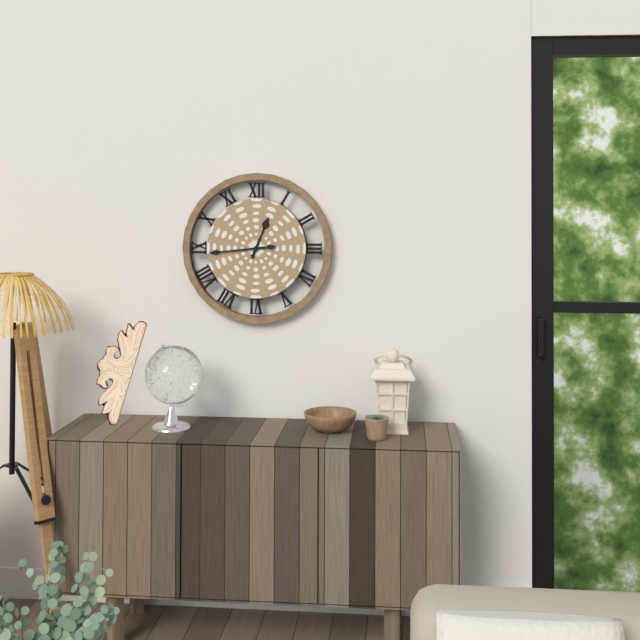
12:44
